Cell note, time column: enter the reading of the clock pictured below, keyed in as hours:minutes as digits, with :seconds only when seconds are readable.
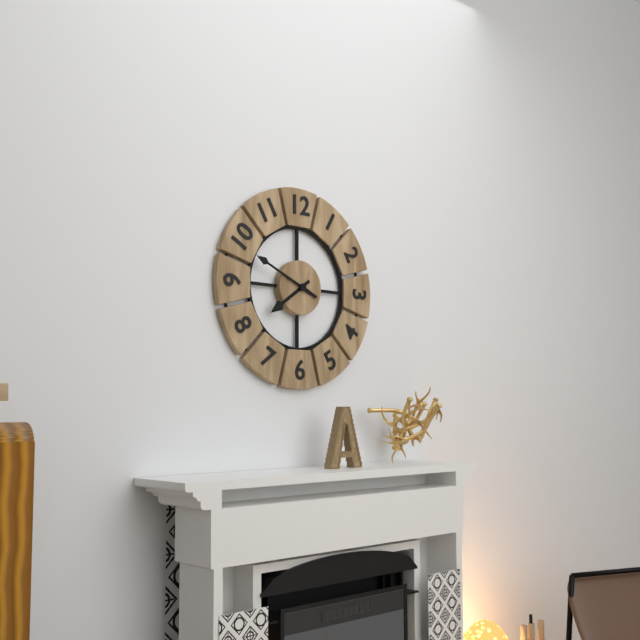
7:49
